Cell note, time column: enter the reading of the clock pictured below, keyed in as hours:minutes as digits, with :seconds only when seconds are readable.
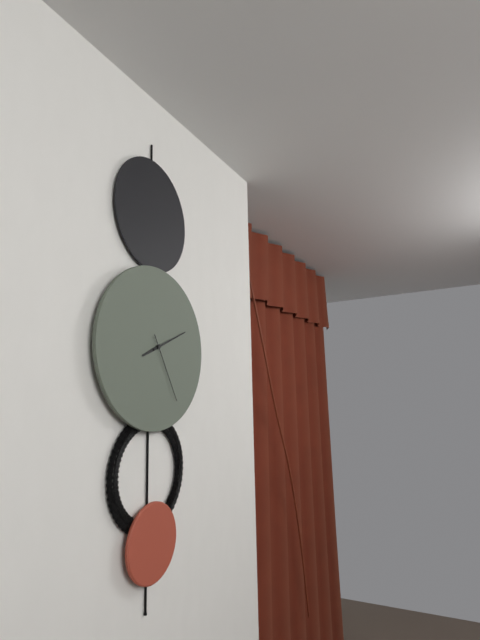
8:11:25
